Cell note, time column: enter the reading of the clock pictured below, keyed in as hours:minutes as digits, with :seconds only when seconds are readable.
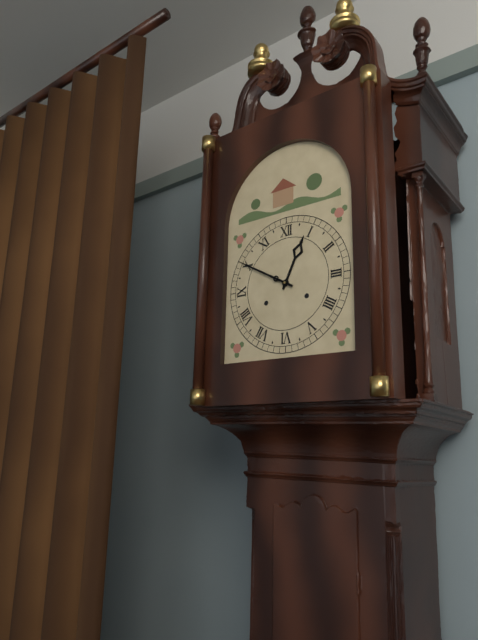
12:50
